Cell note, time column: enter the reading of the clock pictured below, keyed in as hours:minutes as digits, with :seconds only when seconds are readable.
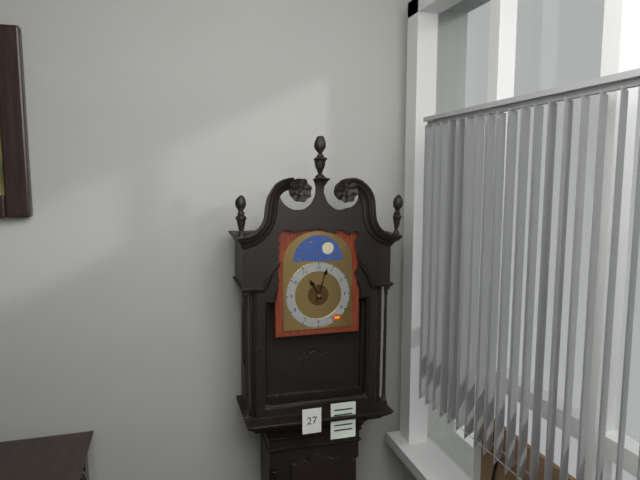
11:03
